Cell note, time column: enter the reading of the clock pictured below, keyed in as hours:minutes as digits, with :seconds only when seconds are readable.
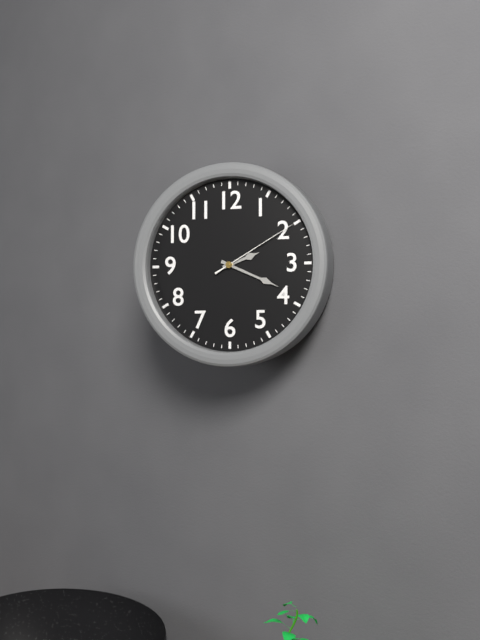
2:19:10
